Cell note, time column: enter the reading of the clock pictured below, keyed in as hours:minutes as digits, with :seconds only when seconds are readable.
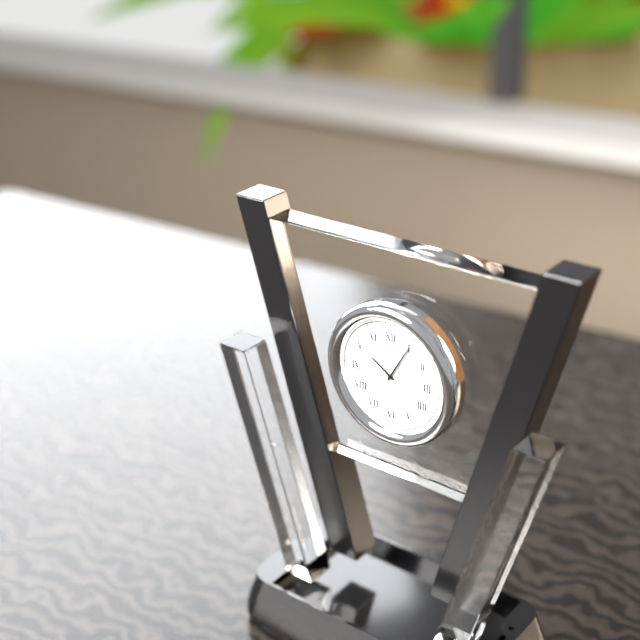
10:05:48
